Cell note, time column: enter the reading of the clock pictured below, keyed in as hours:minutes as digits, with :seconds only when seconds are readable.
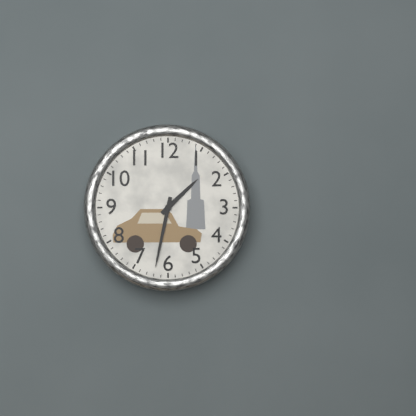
1:32
